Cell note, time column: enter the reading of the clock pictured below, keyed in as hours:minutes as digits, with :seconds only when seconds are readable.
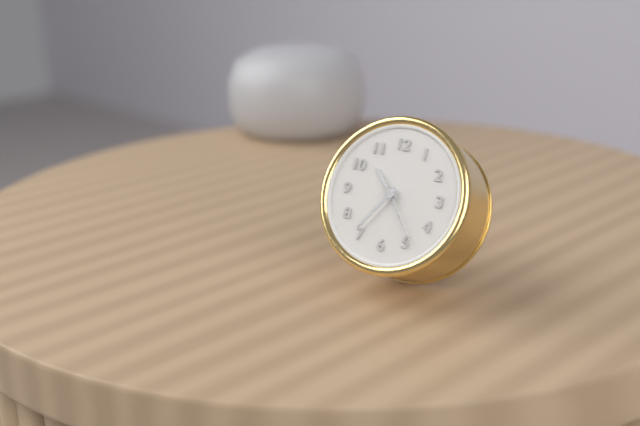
10:36:24
